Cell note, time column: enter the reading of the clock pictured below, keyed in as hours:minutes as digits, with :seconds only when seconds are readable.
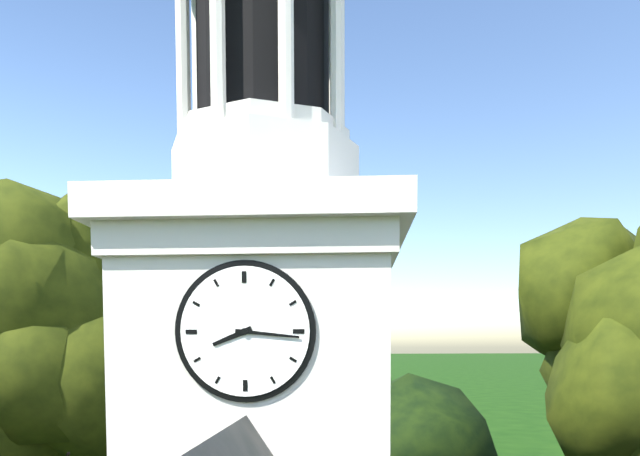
8:16
